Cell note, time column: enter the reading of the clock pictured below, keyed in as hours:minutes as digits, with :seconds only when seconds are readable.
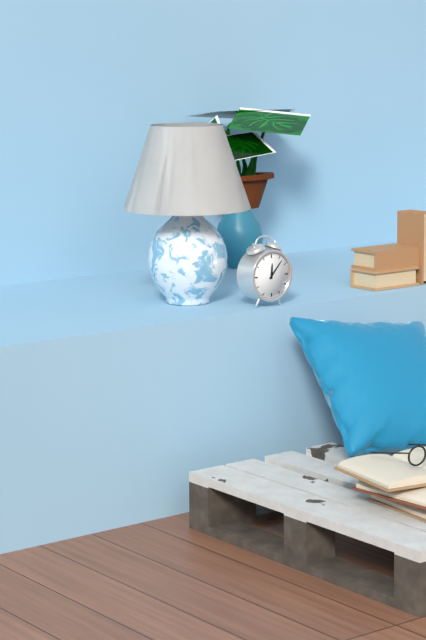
12:07
